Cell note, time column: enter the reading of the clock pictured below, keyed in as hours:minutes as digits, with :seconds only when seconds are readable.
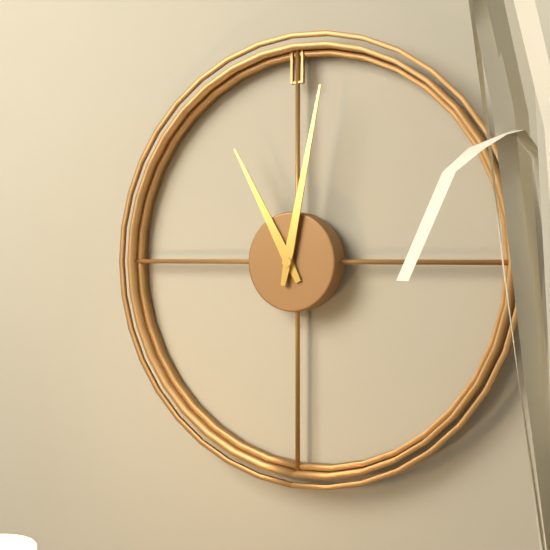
11:02
